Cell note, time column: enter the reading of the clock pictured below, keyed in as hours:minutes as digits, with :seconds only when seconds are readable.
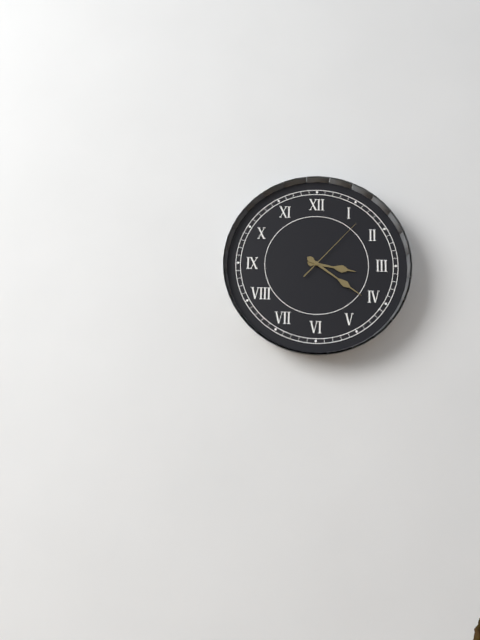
3:21:07
